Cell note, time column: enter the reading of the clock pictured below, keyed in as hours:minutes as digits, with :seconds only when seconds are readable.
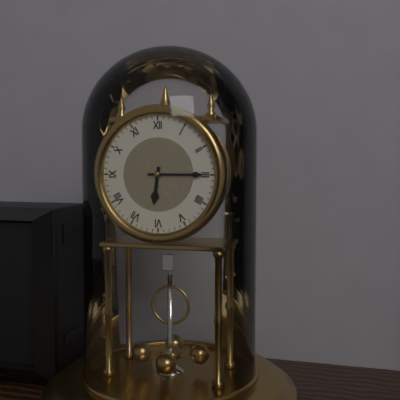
6:15
